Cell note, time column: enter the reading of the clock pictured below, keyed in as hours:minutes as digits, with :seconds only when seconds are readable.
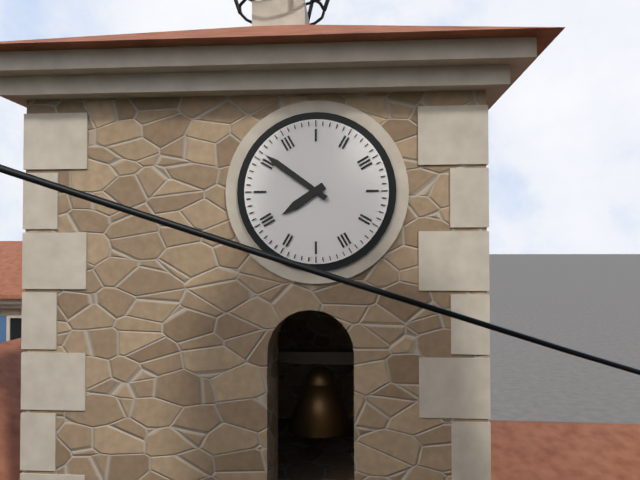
7:51
